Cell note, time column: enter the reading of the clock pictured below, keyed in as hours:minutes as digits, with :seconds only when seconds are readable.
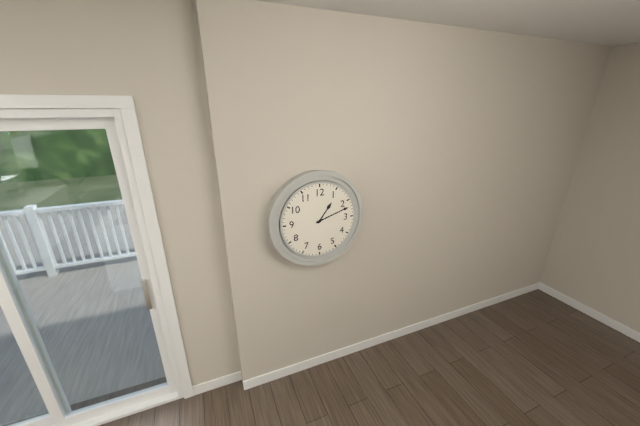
1:12
